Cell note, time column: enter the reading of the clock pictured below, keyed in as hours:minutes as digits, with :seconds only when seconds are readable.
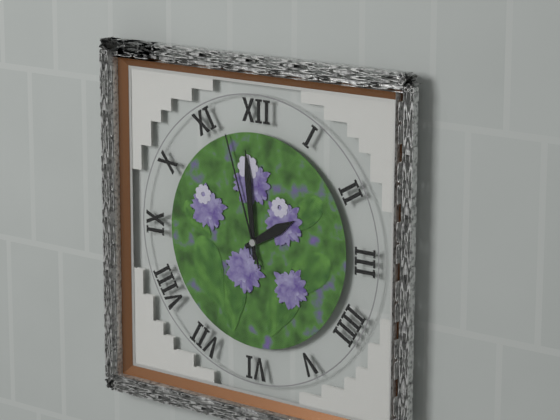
1:59:57
